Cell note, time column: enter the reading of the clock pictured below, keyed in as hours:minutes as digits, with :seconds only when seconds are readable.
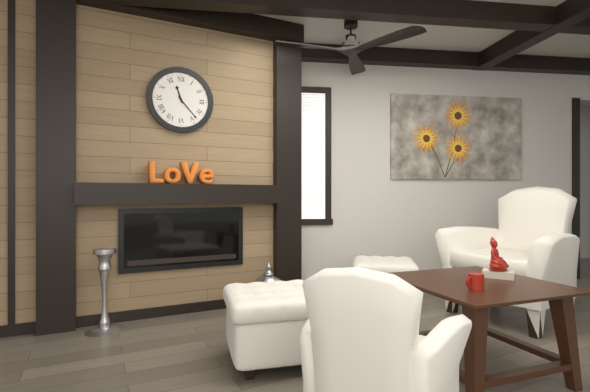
11:23
